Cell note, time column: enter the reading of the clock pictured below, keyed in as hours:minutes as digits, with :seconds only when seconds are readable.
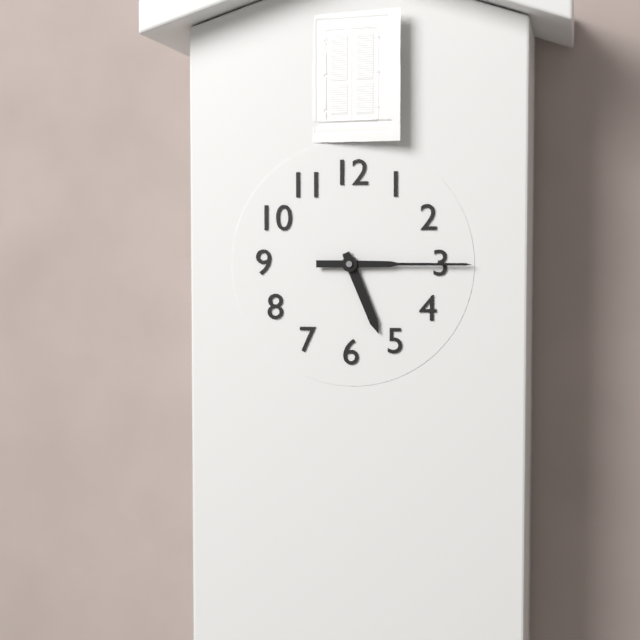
5:15
